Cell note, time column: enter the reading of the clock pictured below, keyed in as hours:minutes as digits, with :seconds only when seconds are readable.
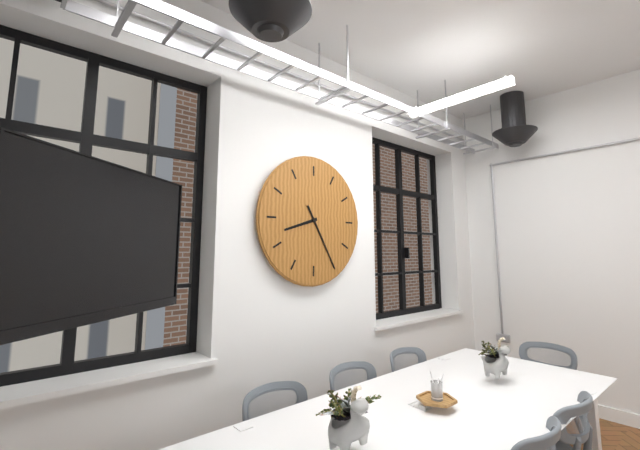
8:25
